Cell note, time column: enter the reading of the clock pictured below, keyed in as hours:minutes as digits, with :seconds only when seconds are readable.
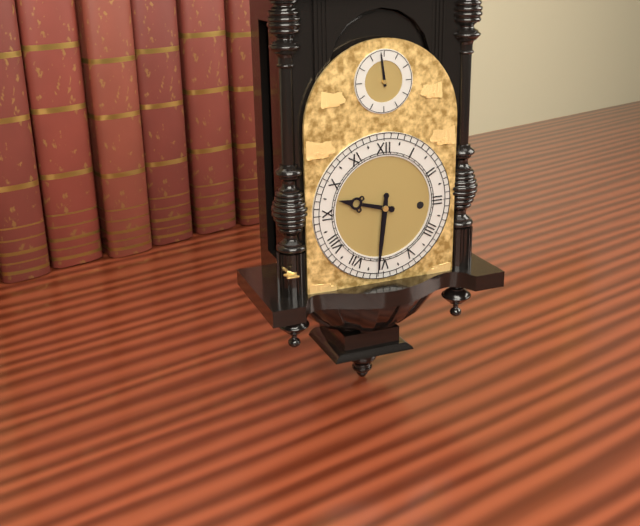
9:31
